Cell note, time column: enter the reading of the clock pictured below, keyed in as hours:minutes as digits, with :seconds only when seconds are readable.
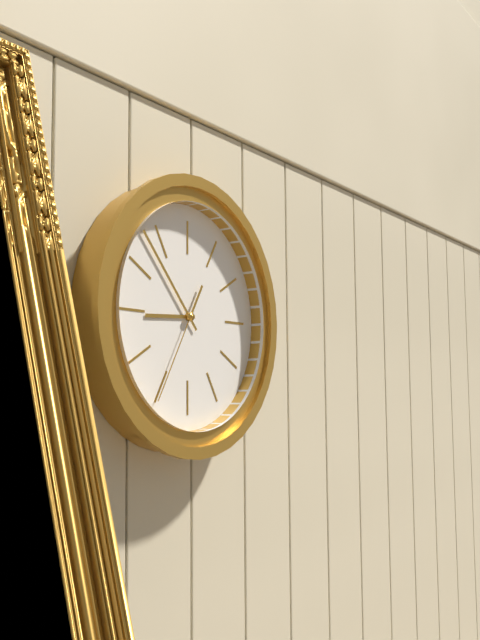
8:53:35
